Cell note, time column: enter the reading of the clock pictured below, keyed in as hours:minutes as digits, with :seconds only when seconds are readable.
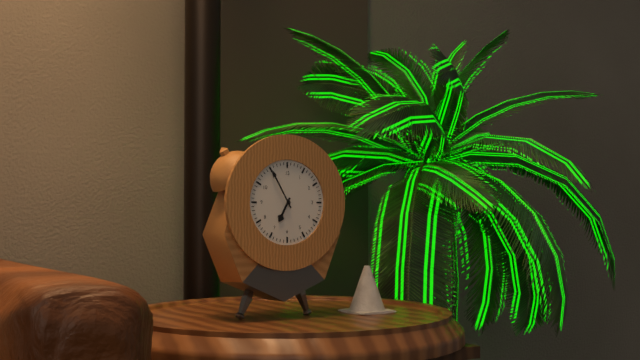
6:55
